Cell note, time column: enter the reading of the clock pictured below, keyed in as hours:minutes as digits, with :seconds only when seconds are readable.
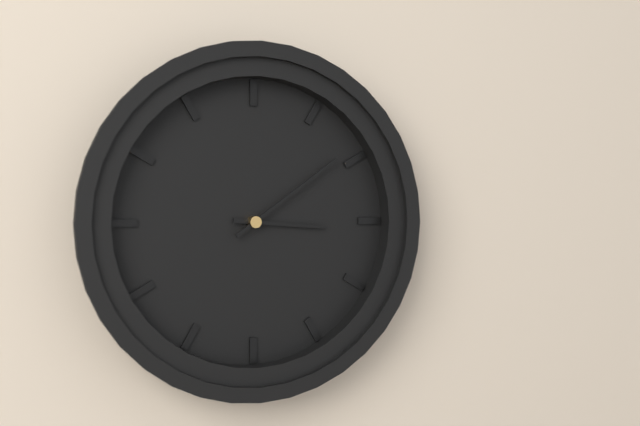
3:09
